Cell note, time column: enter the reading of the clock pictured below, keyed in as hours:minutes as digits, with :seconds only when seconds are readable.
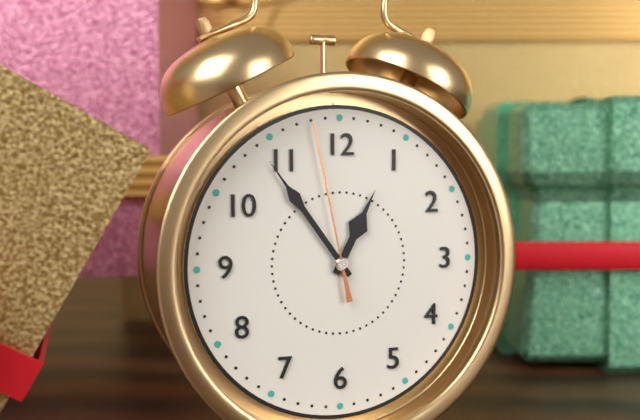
12:54:58
